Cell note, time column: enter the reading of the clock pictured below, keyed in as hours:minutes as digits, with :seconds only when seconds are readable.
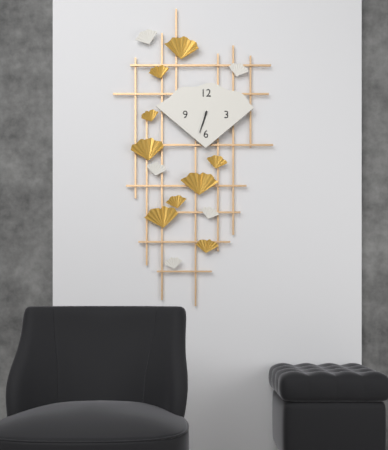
6:33
